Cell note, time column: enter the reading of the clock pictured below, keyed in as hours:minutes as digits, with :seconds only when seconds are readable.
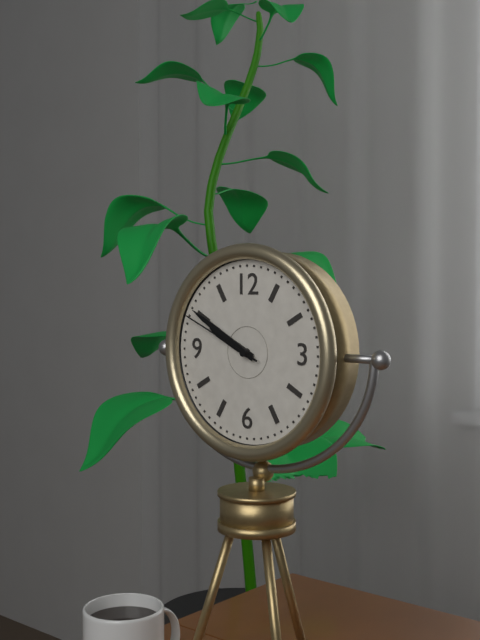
9:50:49
